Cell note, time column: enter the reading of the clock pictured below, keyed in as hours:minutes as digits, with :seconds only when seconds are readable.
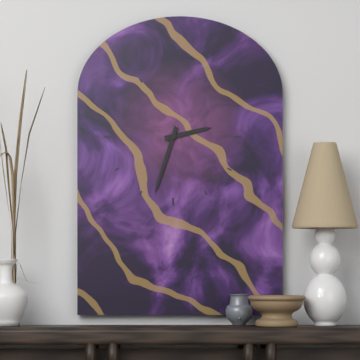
2:33
